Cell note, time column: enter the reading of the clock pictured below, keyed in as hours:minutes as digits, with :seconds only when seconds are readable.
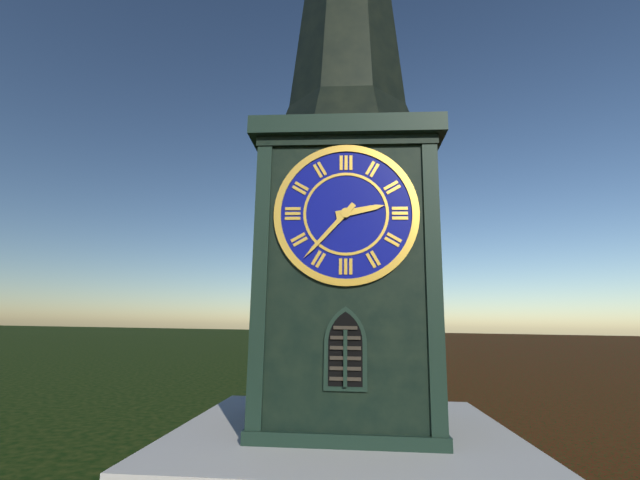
2:37
